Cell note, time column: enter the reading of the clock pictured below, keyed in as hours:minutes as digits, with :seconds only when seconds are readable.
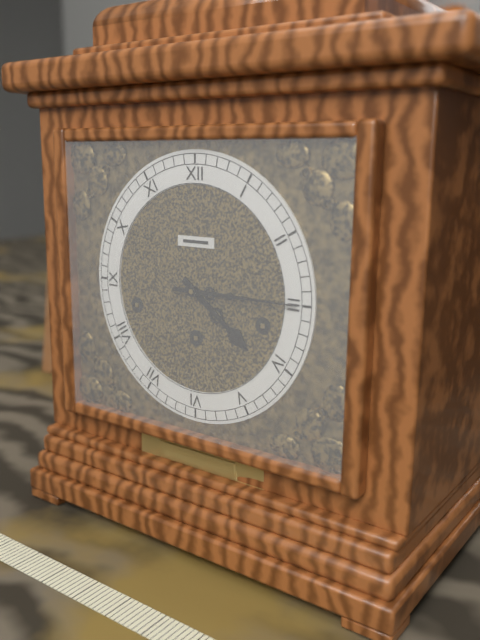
4:15
